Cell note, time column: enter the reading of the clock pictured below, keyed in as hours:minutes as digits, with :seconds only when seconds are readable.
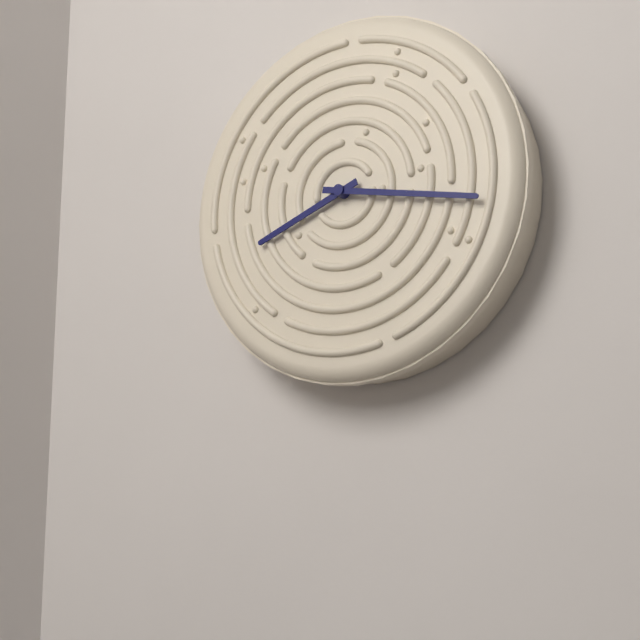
8:17
